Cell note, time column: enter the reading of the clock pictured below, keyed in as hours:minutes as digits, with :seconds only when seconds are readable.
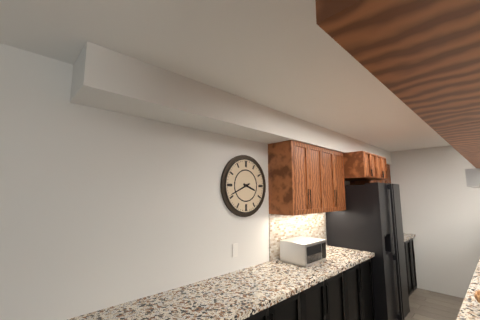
3:41
